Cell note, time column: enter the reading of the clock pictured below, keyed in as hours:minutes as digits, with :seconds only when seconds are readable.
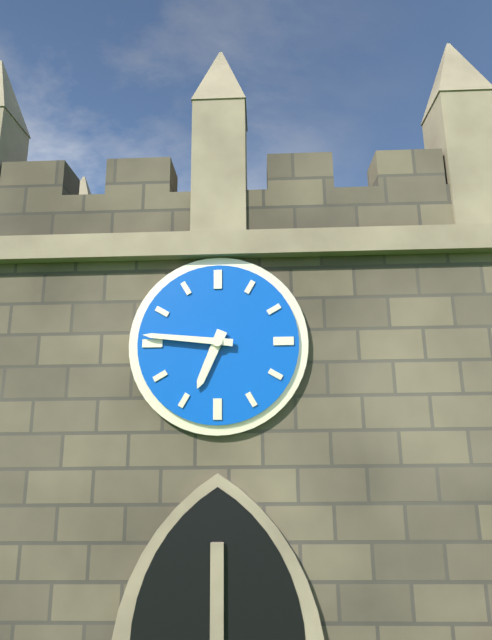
6:46
